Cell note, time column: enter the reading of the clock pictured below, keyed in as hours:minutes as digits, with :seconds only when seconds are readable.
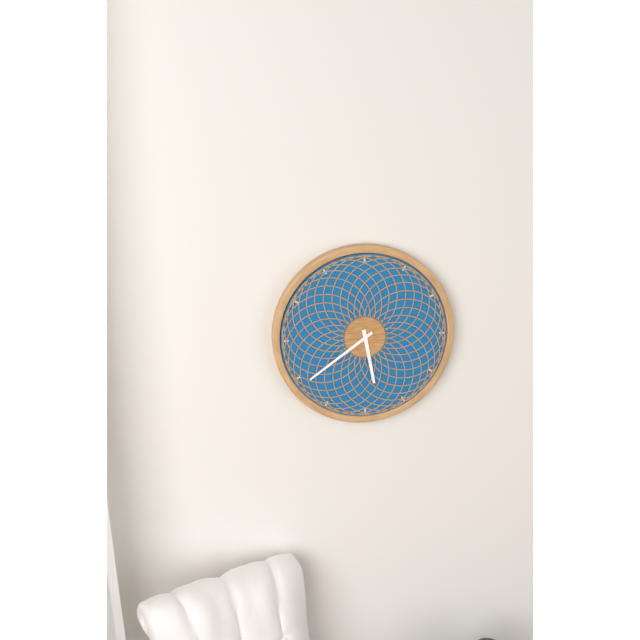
5:39
